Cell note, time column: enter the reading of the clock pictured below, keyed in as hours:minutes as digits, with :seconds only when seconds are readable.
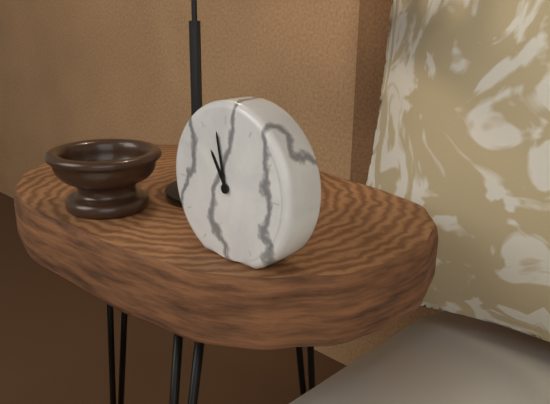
10:58
